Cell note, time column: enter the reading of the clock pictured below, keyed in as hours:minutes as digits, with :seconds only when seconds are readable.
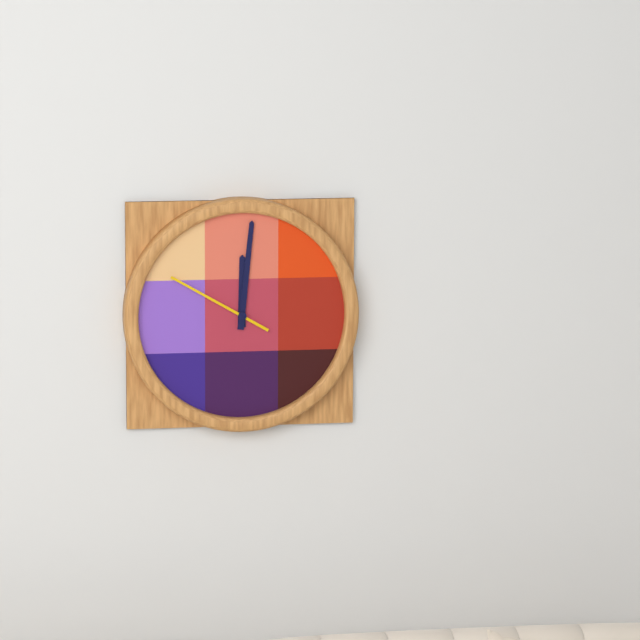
12:01:50
